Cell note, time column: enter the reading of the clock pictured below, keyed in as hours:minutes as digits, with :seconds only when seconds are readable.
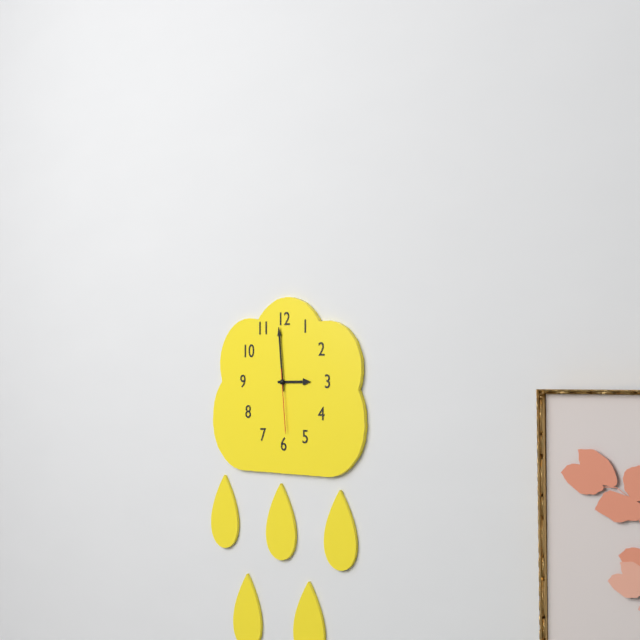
2:59:29
